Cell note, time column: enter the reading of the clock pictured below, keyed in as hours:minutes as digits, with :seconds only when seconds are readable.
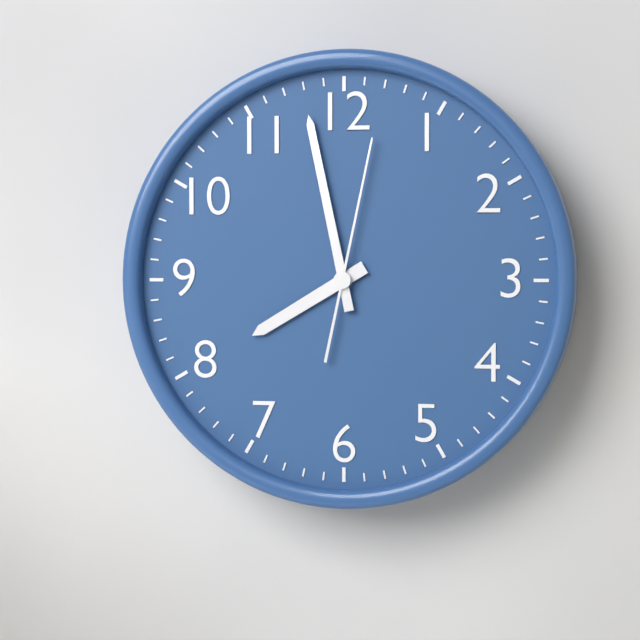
7:58:02
